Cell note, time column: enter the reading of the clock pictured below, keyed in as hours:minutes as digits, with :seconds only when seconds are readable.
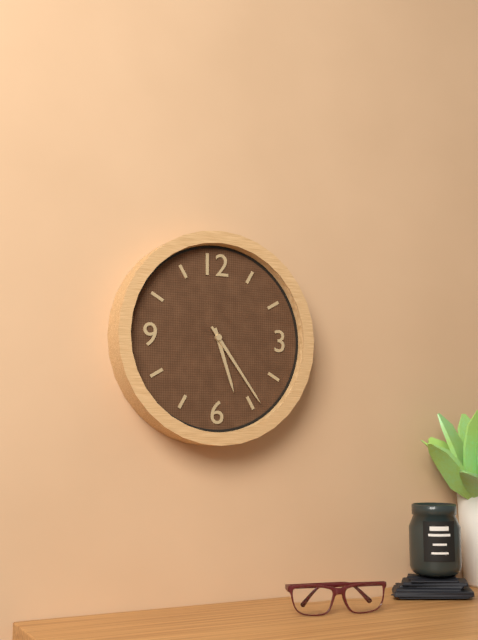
5:24
